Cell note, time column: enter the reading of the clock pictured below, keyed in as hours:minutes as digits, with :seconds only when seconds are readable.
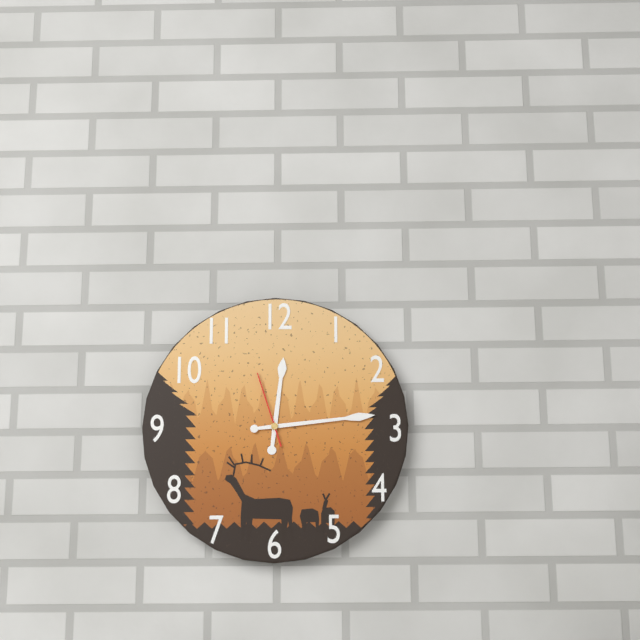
12:14:57
